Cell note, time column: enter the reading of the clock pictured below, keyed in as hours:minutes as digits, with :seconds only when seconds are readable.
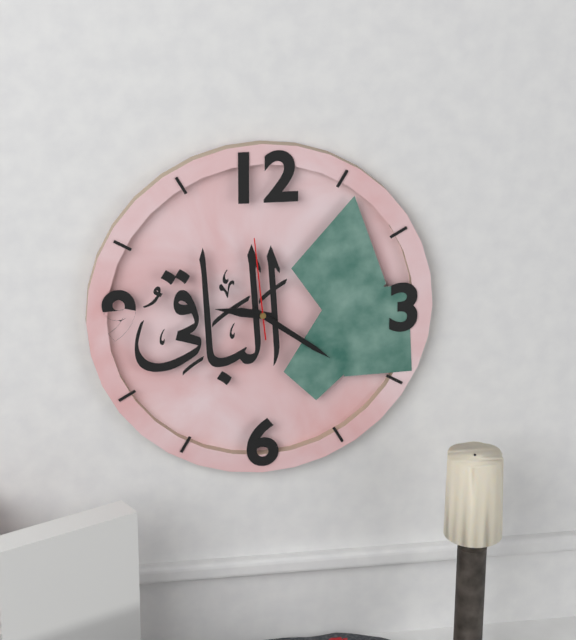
9:21:59
